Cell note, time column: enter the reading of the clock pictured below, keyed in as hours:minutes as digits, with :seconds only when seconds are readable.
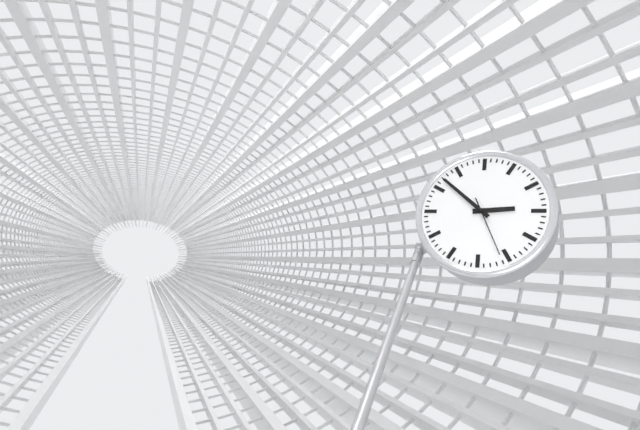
2:52:26
